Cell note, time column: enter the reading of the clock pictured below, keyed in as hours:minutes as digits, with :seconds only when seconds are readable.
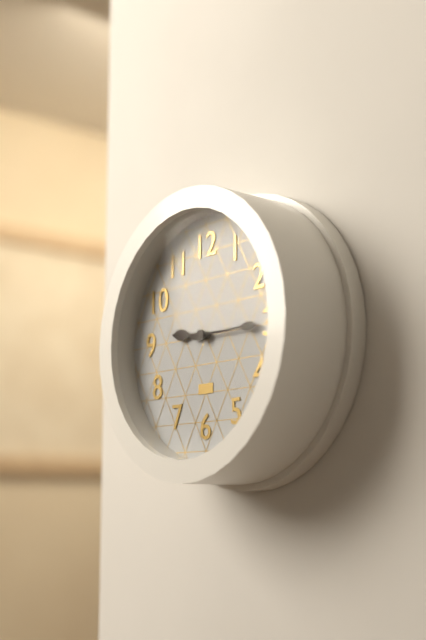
9:15
